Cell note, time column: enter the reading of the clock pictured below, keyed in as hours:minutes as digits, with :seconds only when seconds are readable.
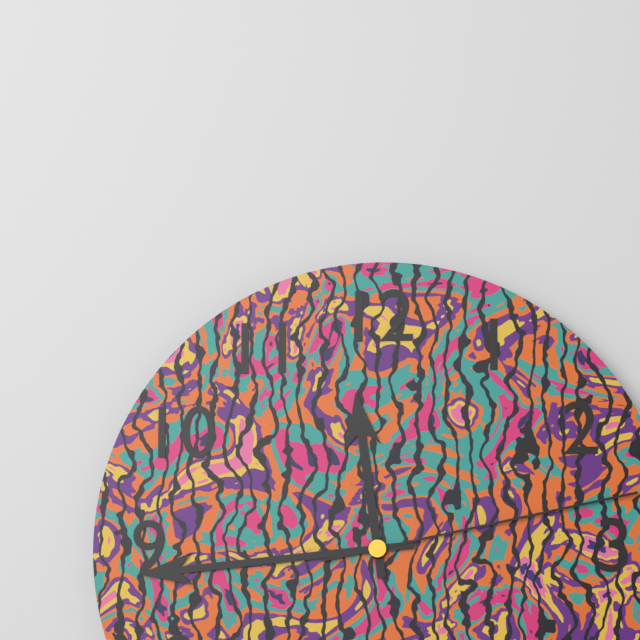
11:44:13
